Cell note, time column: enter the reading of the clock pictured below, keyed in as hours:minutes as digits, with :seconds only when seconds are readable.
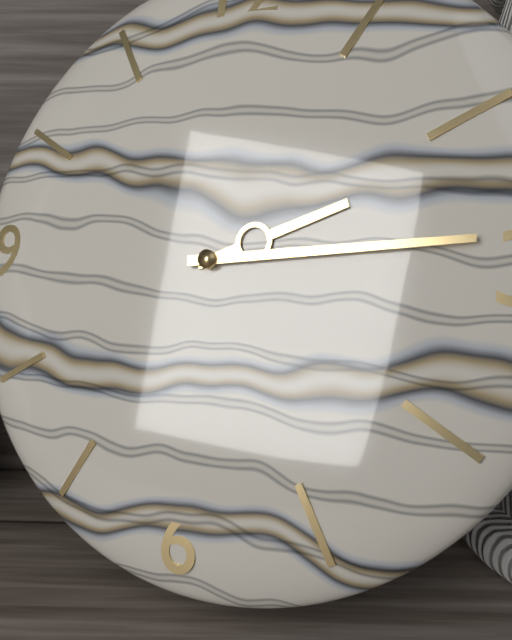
2:14
